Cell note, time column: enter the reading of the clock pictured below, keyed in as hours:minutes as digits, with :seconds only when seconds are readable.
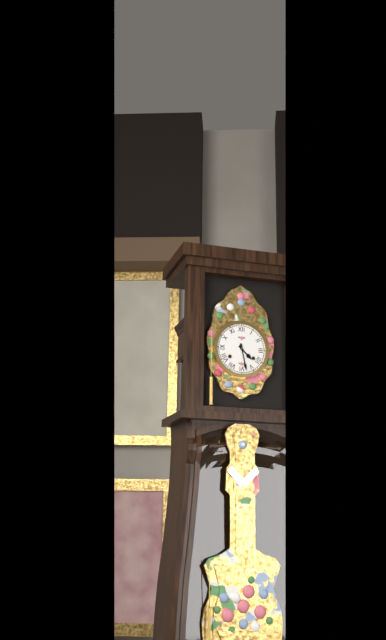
4:28
